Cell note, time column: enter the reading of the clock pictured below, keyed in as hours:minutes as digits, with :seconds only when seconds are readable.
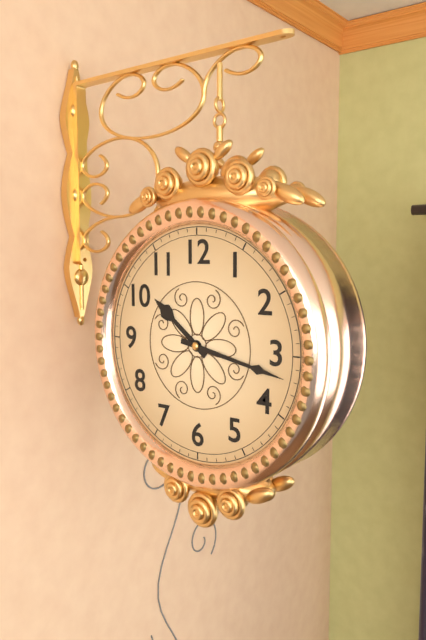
10:17
